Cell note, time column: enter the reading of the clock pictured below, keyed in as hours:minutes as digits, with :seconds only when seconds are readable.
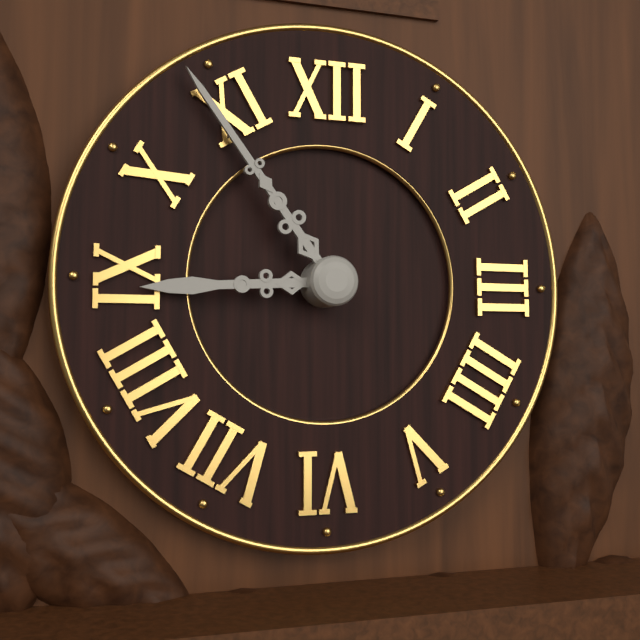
8:54
